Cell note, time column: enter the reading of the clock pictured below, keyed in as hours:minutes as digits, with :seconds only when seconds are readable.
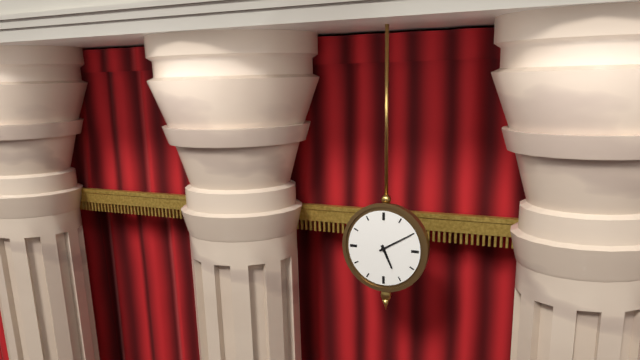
5:10
